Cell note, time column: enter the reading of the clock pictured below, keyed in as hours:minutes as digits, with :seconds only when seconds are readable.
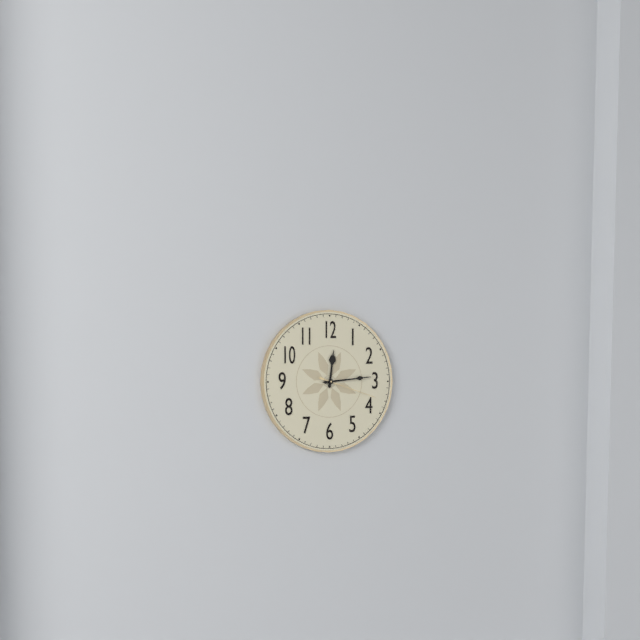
12:14:18
